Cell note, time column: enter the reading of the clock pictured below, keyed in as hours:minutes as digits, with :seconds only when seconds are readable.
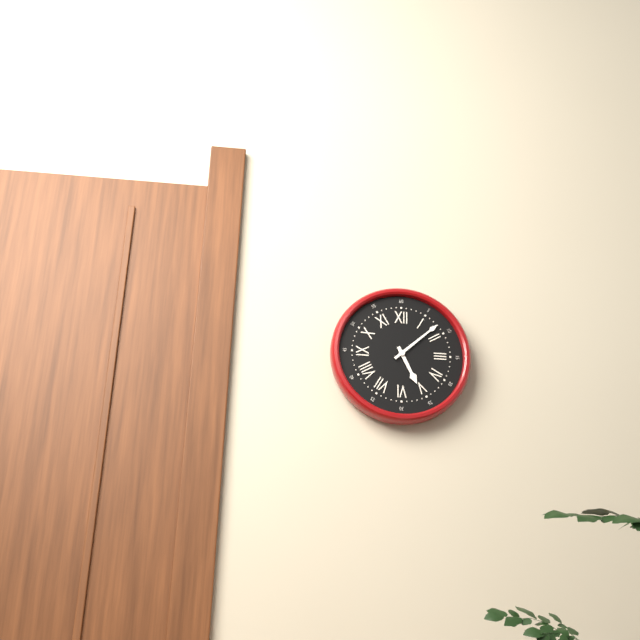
5:08
